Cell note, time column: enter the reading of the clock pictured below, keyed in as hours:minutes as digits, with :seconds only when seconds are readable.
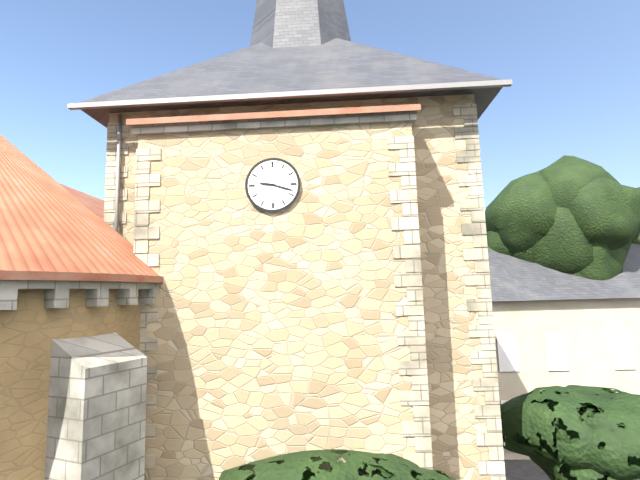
9:18
